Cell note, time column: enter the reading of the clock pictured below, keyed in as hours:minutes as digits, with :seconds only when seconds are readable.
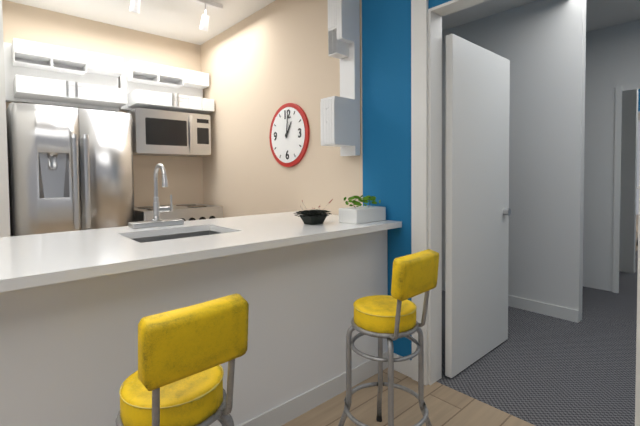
1:01
